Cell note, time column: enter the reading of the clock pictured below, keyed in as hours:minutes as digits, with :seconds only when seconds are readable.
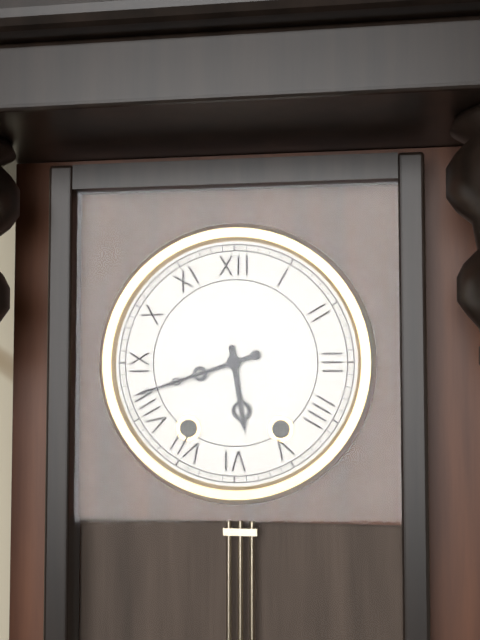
5:42
